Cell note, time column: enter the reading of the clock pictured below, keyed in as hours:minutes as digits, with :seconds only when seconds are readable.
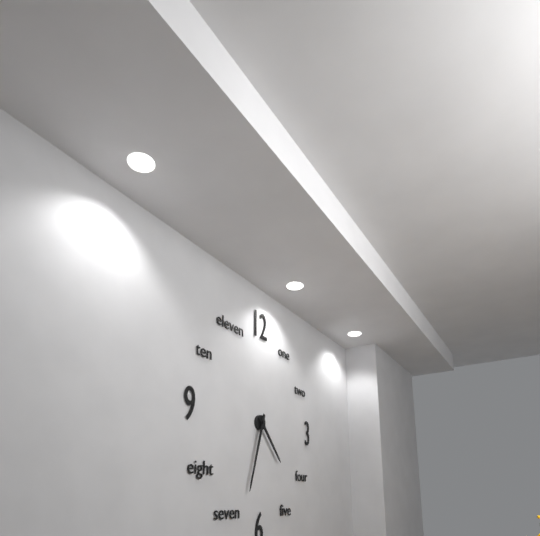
4:33
